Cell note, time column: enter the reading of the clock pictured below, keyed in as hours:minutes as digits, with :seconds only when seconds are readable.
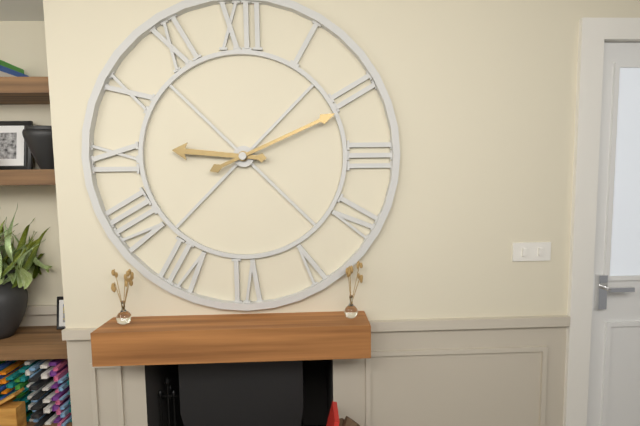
9:11
